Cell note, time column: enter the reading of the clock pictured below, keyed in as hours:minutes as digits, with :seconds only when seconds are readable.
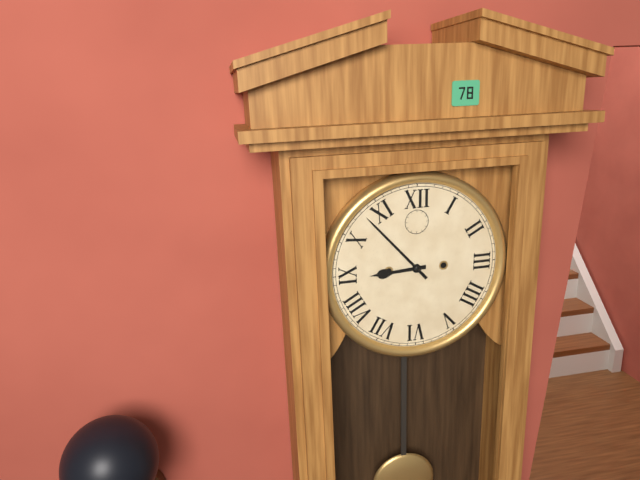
8:53
